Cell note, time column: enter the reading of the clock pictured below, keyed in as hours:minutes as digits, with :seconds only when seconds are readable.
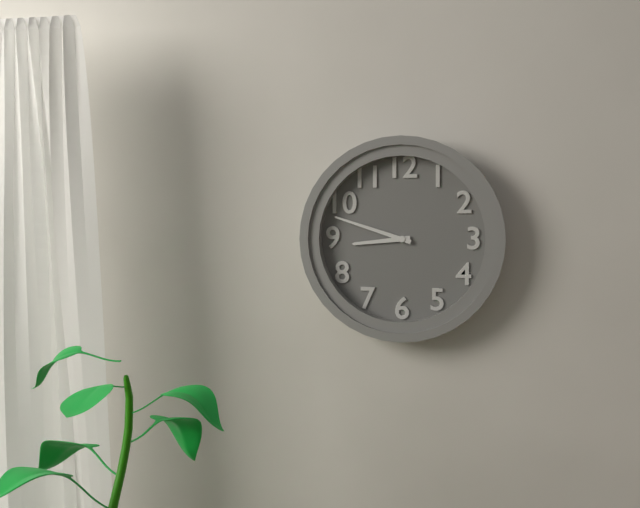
8:48
